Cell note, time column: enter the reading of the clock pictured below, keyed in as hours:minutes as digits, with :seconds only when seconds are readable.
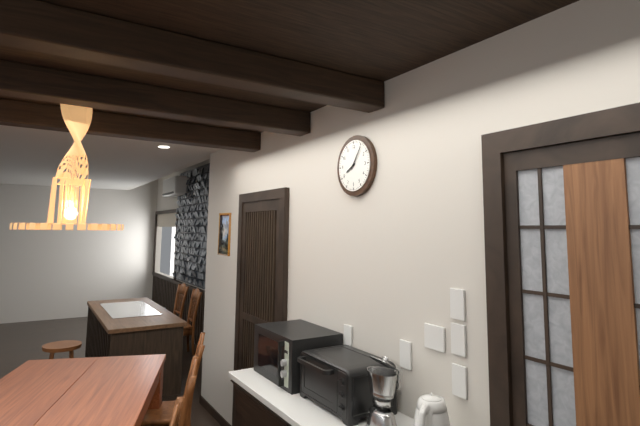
8:06
